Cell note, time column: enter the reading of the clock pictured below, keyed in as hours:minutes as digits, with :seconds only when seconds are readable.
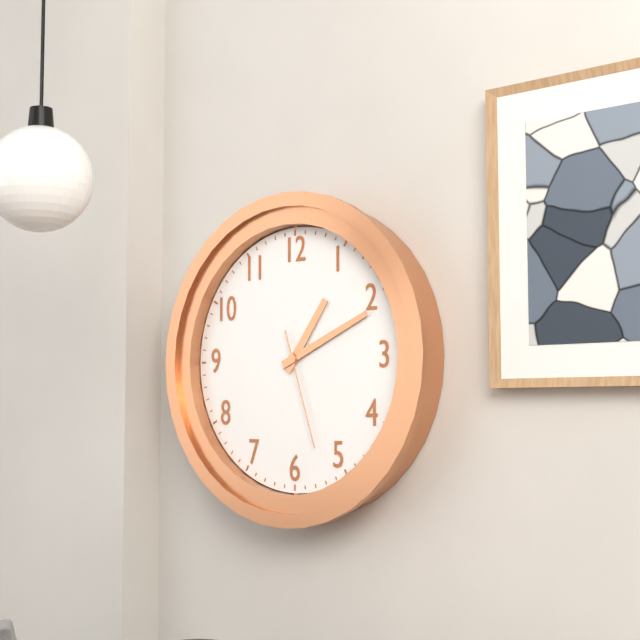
1:11:27
